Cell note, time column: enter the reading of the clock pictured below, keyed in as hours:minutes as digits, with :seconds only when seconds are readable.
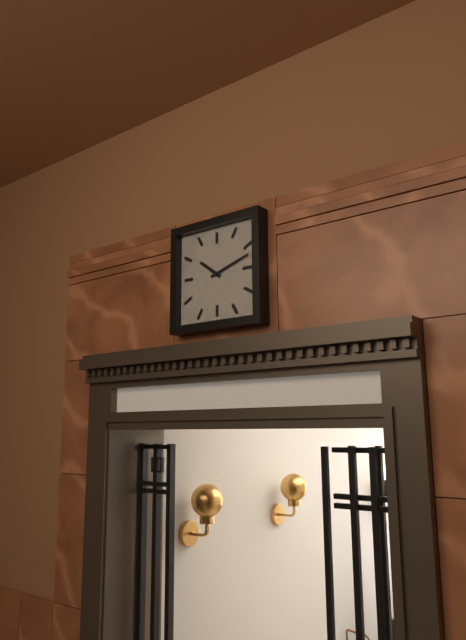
10:12
